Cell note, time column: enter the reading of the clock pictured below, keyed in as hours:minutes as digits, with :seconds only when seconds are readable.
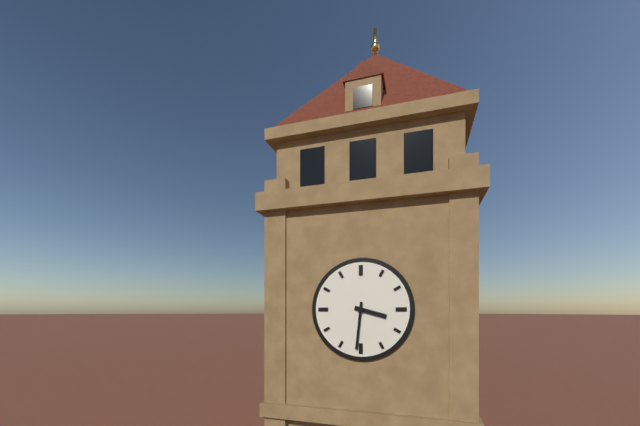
3:31
